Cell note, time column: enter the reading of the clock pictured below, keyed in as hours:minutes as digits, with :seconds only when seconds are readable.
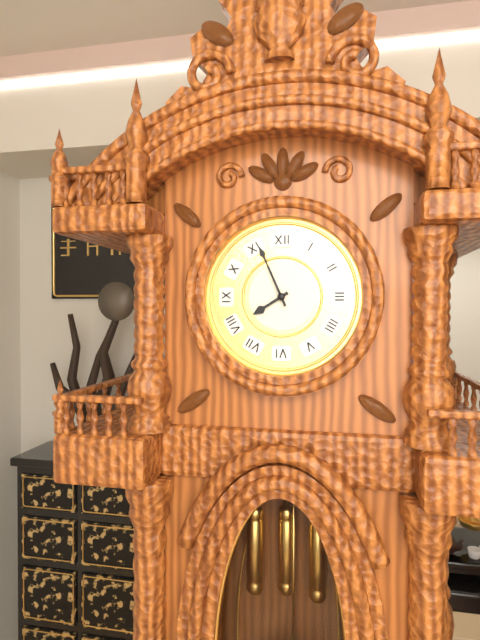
7:56
